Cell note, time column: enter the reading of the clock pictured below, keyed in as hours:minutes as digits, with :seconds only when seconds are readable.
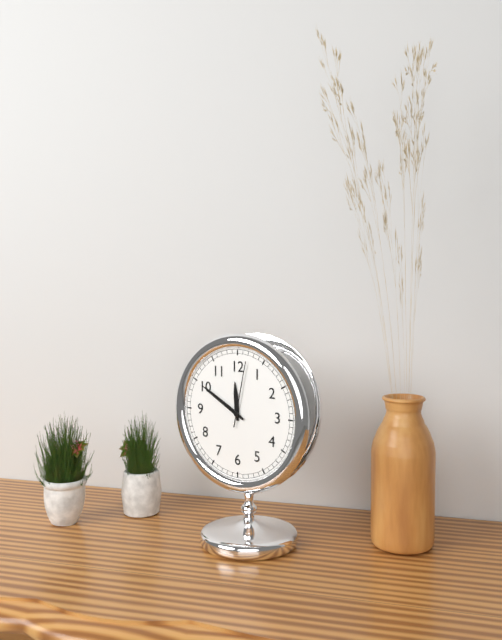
11:50:02
